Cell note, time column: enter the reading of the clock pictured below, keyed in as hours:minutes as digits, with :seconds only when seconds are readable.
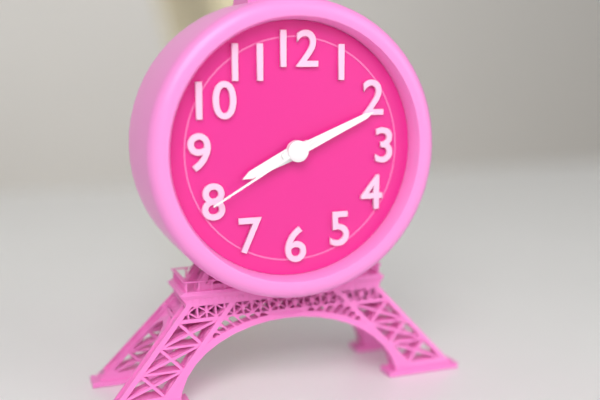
8:11:40
